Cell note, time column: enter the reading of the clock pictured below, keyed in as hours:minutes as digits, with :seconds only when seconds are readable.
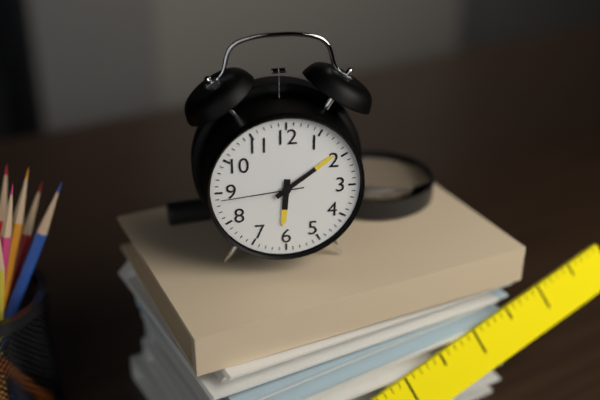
6:09:44
